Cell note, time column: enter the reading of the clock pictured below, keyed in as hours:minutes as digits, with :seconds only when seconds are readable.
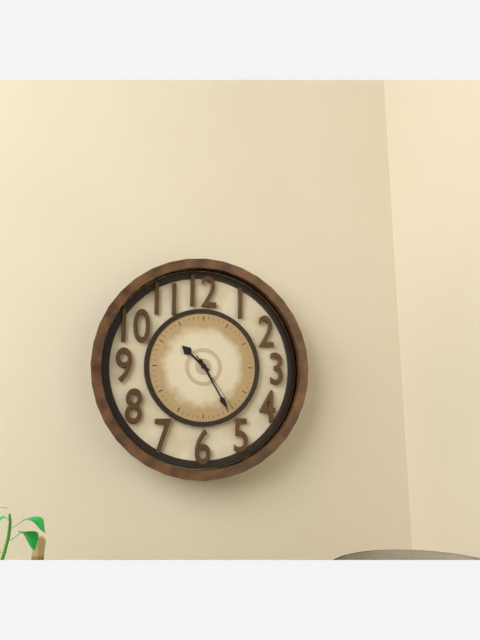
10:25:24
